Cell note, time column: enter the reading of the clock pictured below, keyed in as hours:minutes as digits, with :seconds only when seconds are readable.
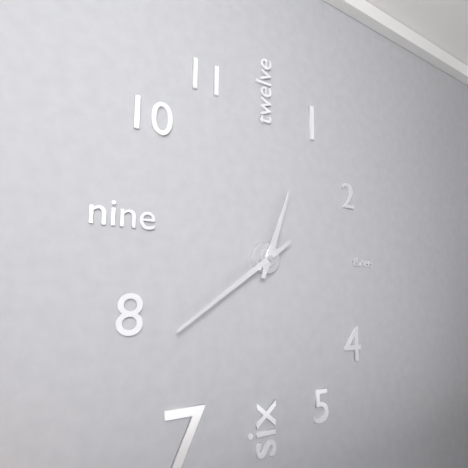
12:39
